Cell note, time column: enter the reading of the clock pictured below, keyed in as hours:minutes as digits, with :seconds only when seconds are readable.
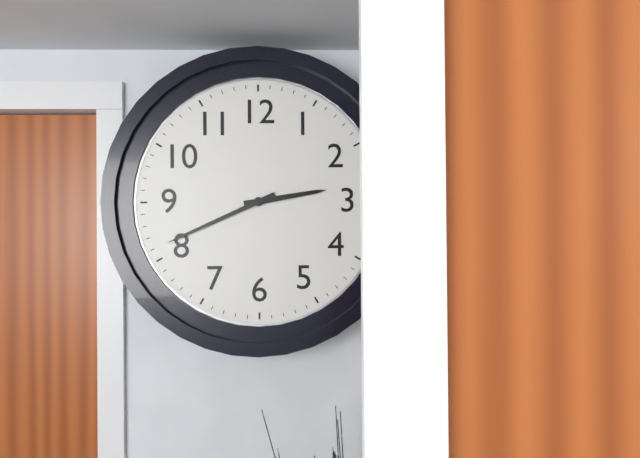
2:41
